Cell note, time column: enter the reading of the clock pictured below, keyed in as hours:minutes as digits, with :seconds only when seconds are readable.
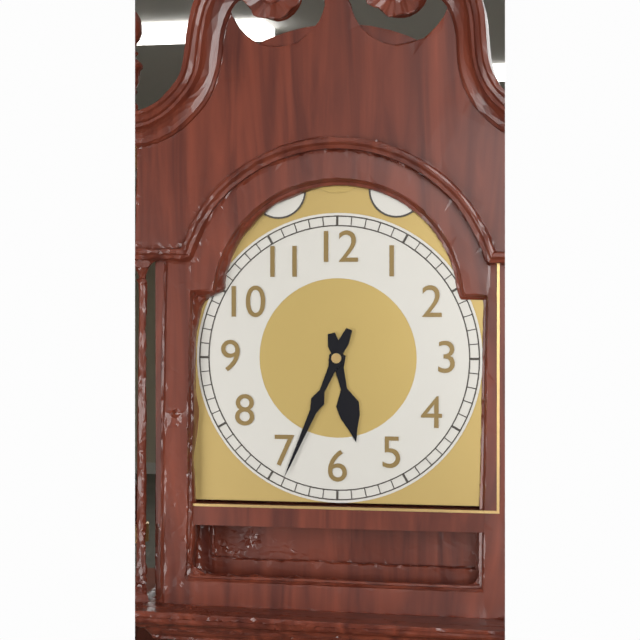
5:34
